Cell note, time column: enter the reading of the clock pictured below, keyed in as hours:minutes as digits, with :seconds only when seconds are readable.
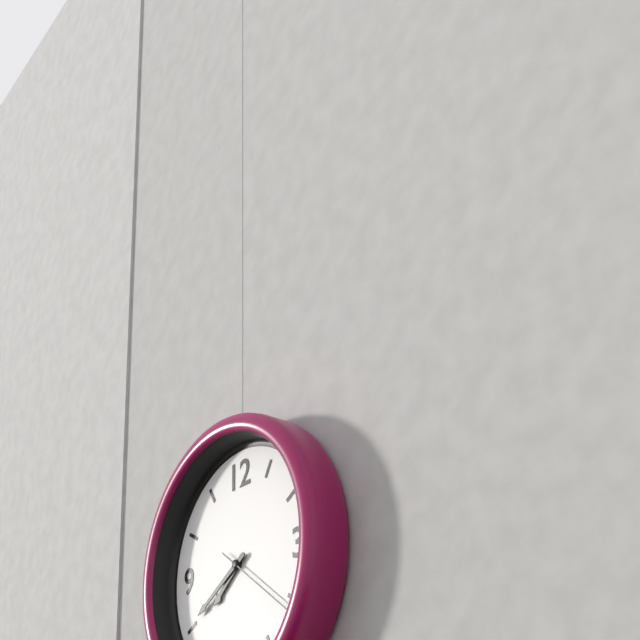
7:40:21
